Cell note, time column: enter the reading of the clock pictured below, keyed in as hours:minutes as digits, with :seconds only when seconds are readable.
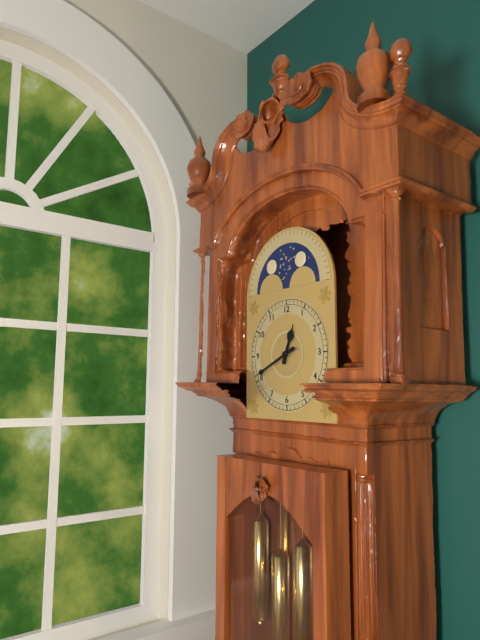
12:41
